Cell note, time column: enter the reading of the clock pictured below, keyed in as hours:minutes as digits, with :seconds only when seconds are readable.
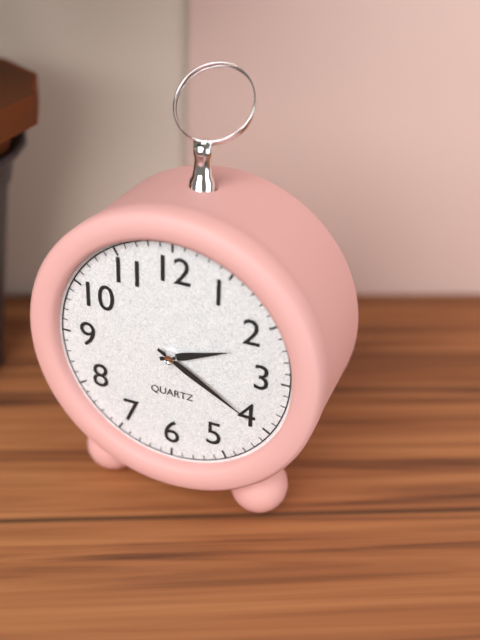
2:20
